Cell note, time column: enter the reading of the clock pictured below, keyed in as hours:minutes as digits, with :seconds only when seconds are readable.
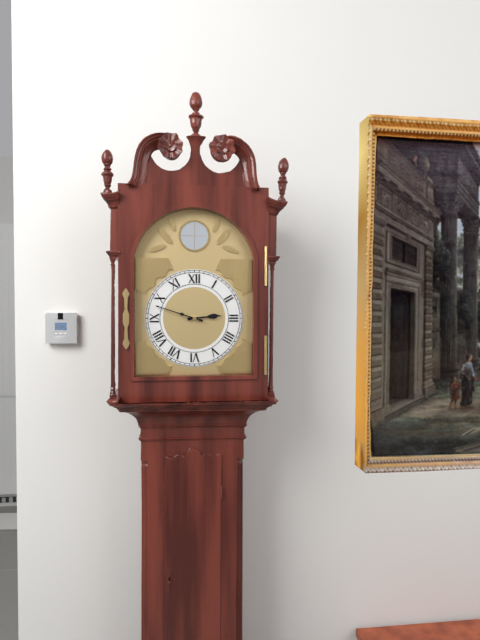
2:48
